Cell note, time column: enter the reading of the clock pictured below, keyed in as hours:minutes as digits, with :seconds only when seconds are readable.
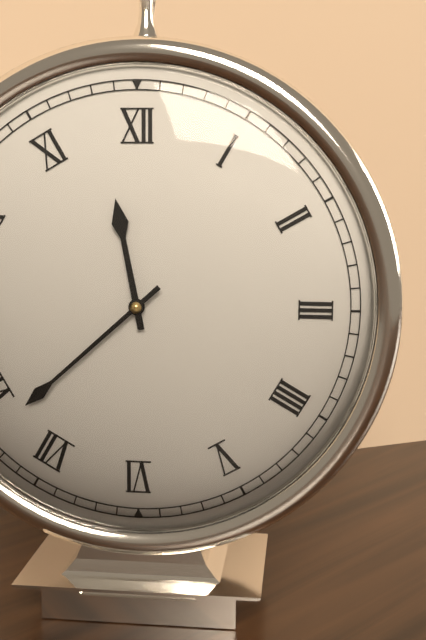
11:38
